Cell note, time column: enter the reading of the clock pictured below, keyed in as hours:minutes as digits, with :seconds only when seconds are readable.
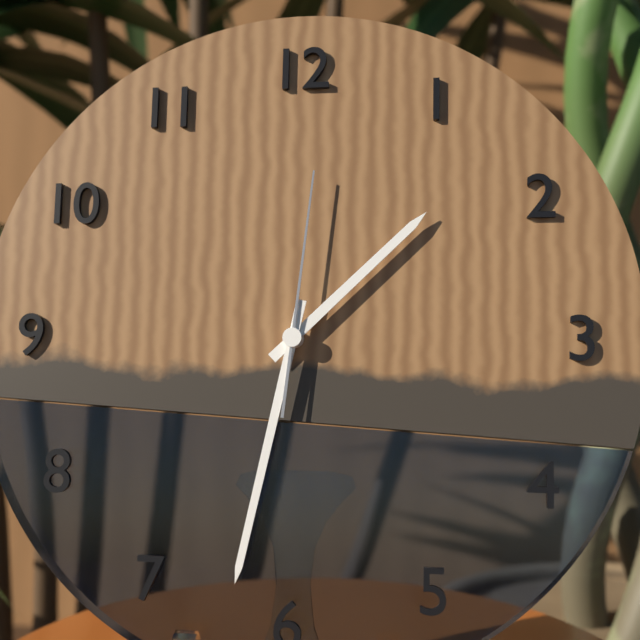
1:32:01
